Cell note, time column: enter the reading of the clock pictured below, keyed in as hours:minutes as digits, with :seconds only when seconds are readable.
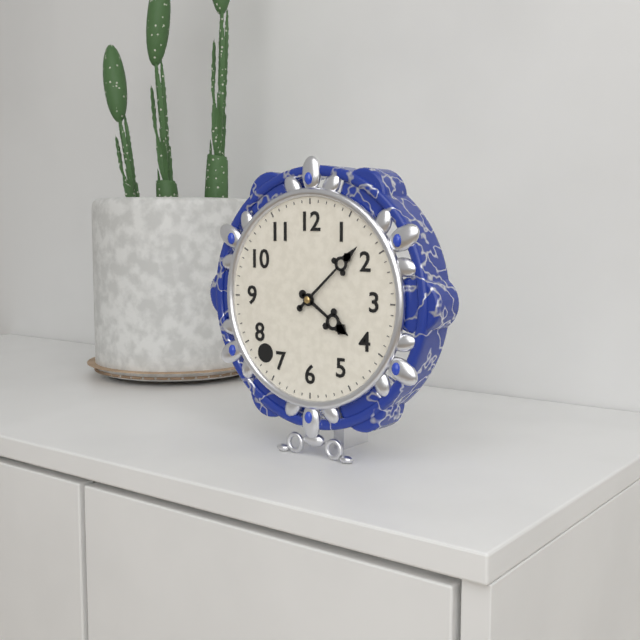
4:08
